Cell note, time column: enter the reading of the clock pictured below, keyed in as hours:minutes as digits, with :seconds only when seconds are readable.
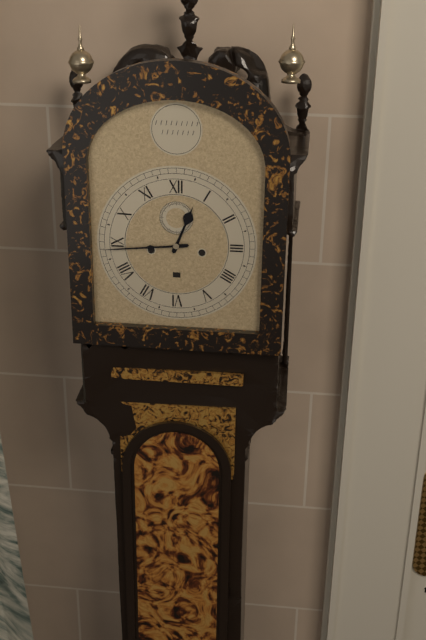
12:44
